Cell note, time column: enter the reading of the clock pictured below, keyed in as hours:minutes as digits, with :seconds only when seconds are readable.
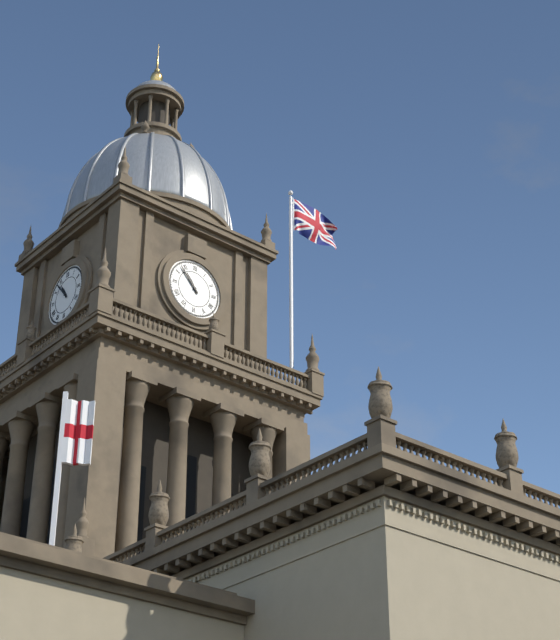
10:53
